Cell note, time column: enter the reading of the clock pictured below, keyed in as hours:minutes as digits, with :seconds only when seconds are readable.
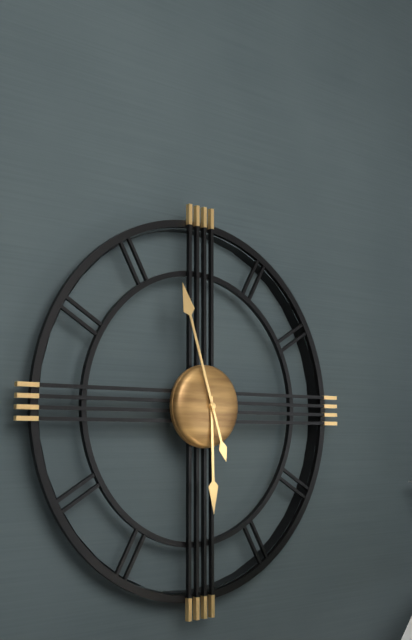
5:57
